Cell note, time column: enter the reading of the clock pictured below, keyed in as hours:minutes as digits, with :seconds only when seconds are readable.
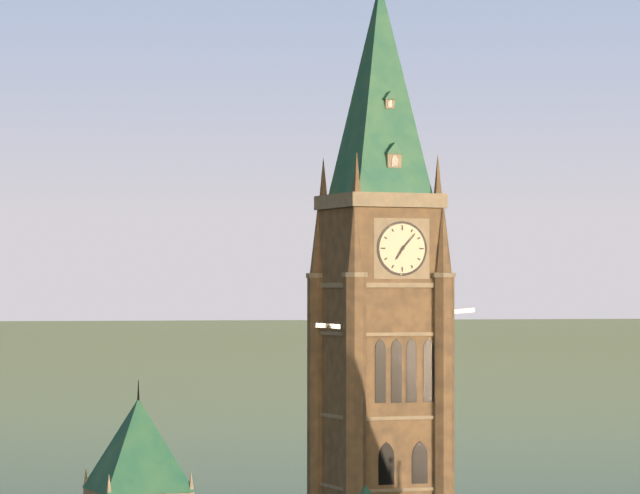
7:07
